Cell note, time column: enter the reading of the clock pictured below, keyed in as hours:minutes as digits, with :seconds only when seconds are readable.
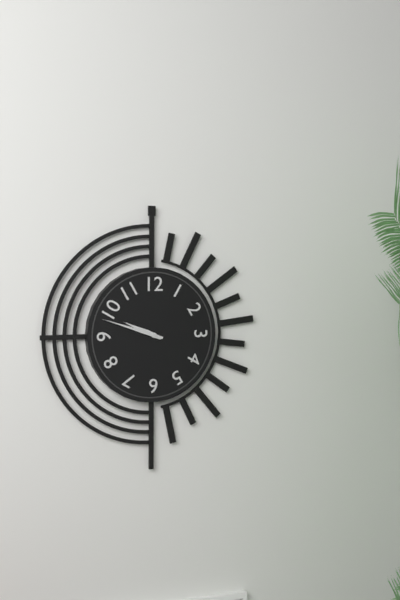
9:48
